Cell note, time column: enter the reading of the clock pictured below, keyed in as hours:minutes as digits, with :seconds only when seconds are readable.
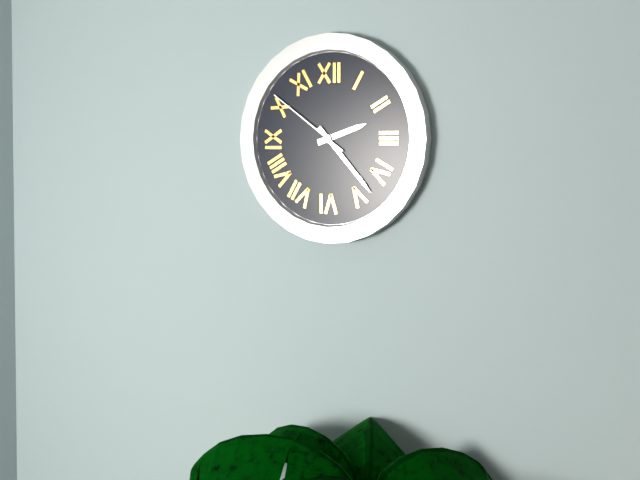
2:23:51
